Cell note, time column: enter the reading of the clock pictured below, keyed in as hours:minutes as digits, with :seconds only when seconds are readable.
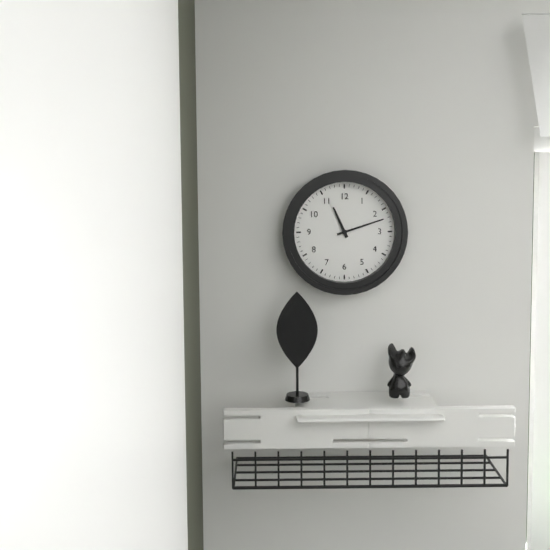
11:12
